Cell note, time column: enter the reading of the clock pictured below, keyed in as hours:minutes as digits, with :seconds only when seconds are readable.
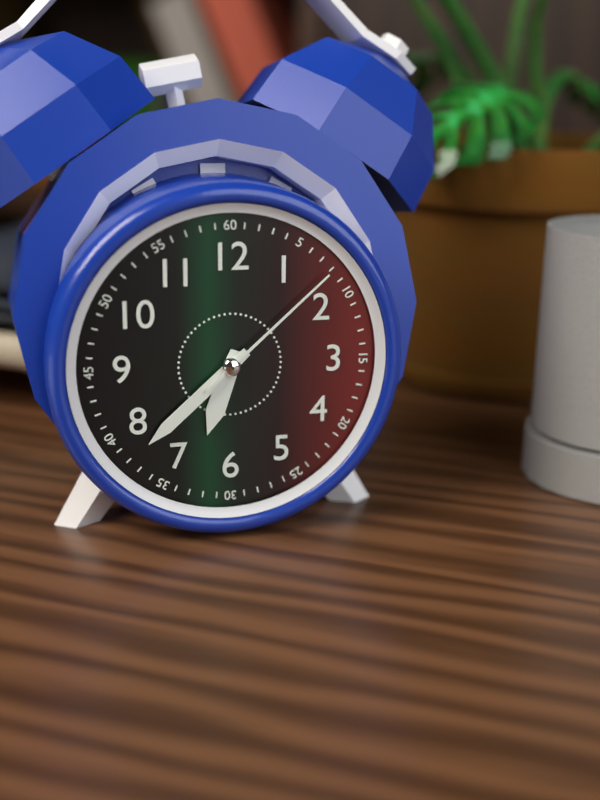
6:38:08
